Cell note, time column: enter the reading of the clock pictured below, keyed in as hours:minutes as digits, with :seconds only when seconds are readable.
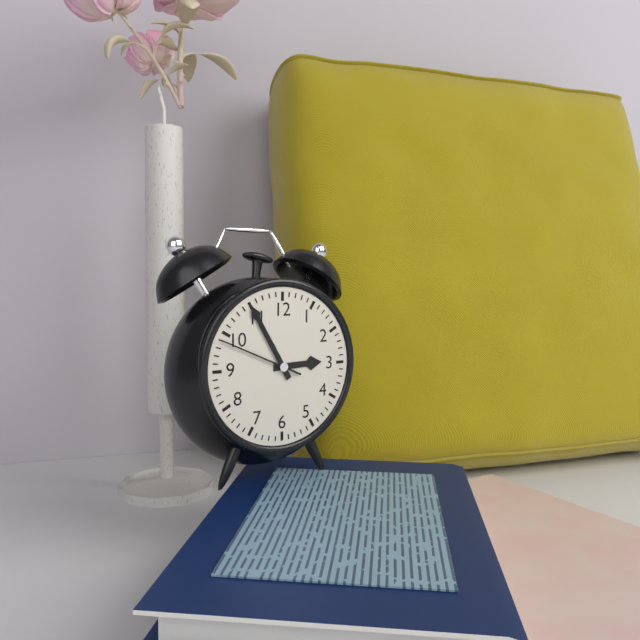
2:55:49
